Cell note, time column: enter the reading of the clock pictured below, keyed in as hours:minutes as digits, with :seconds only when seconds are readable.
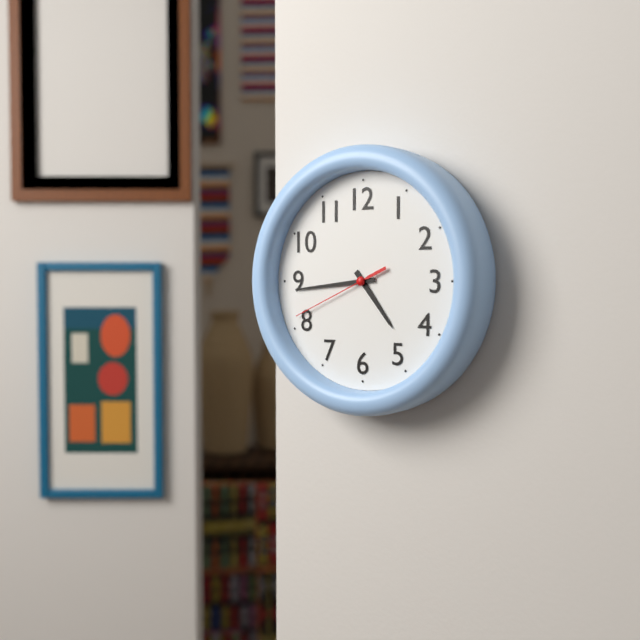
4:44:41
